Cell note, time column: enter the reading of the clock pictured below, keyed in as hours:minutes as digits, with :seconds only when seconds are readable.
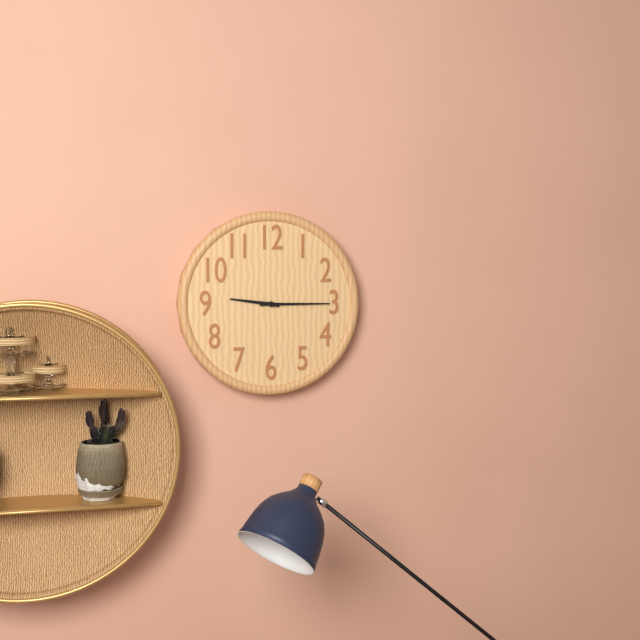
9:15
